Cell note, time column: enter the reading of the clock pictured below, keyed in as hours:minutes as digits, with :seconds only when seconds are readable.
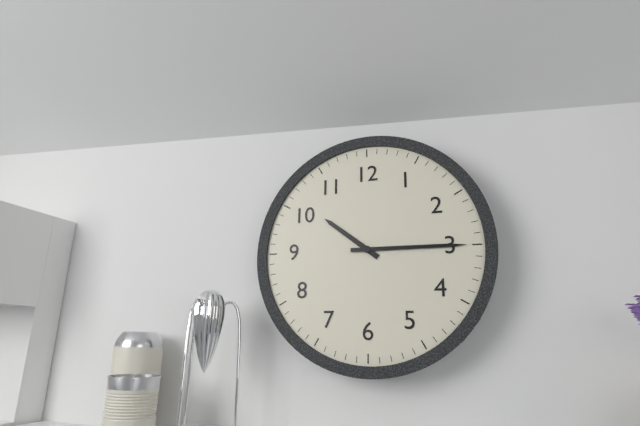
10:15
